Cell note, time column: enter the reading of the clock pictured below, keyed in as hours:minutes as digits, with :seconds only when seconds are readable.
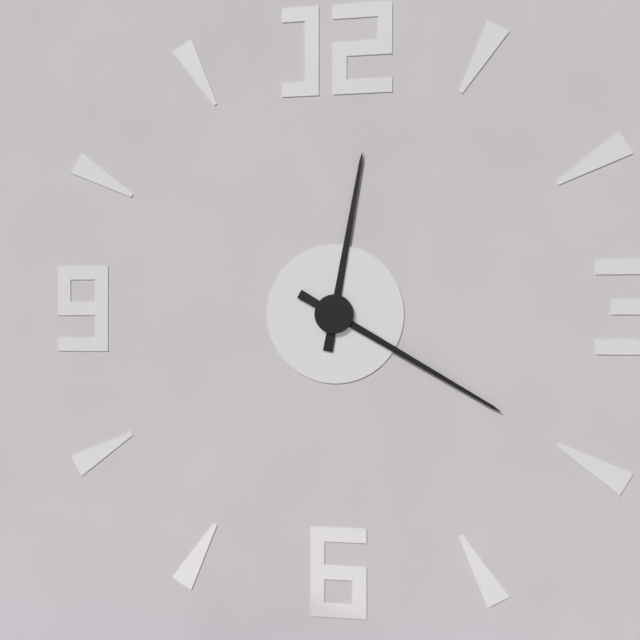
12:20
